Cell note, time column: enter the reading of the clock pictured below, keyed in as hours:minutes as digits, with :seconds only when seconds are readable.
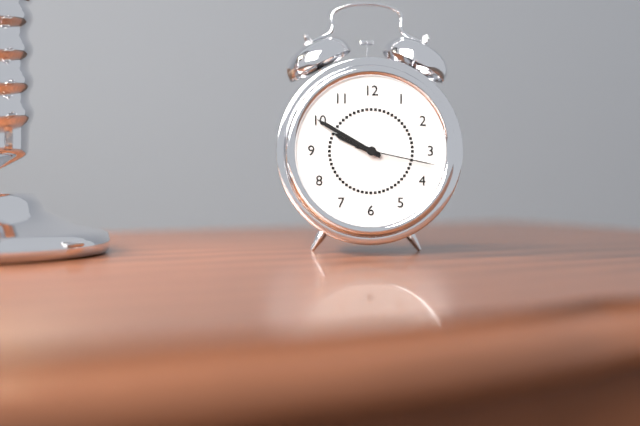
9:50:17
